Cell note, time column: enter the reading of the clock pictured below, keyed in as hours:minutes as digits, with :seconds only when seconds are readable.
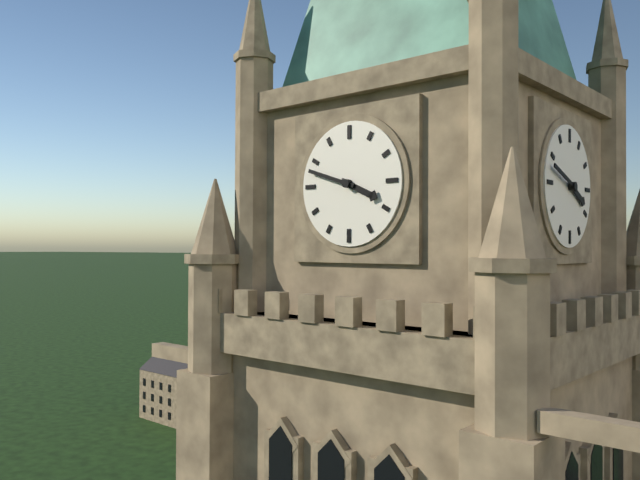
3:48
